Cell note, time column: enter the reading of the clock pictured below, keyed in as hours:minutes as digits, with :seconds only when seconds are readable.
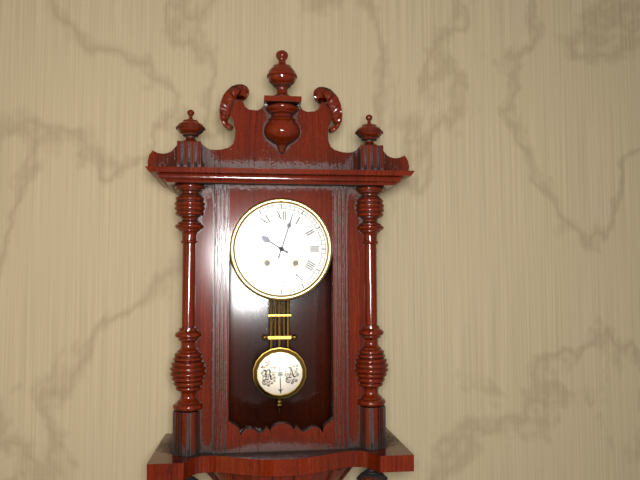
10:03
